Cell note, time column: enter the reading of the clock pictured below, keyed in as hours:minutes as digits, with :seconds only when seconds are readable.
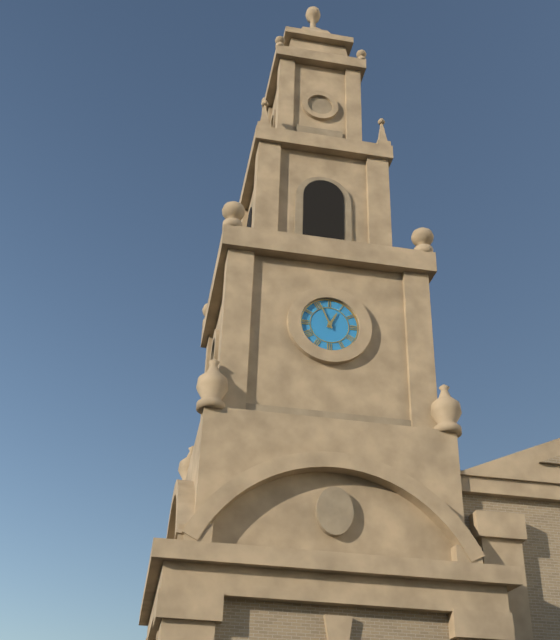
12:56
